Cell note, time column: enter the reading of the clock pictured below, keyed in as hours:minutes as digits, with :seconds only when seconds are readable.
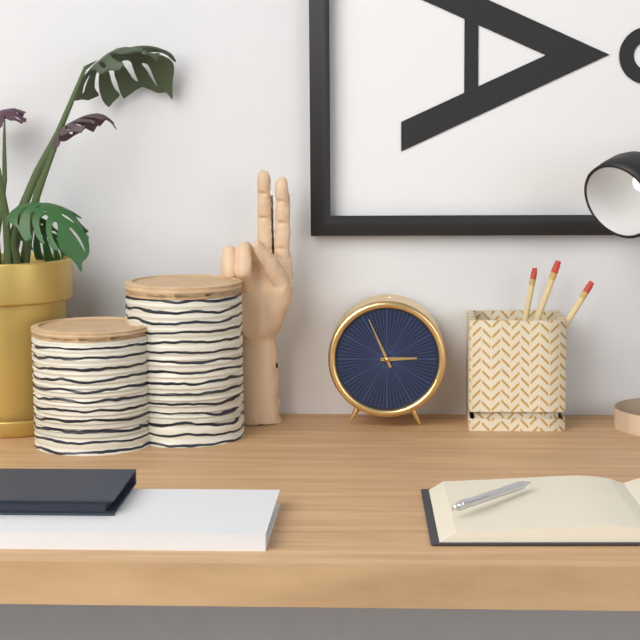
2:56
